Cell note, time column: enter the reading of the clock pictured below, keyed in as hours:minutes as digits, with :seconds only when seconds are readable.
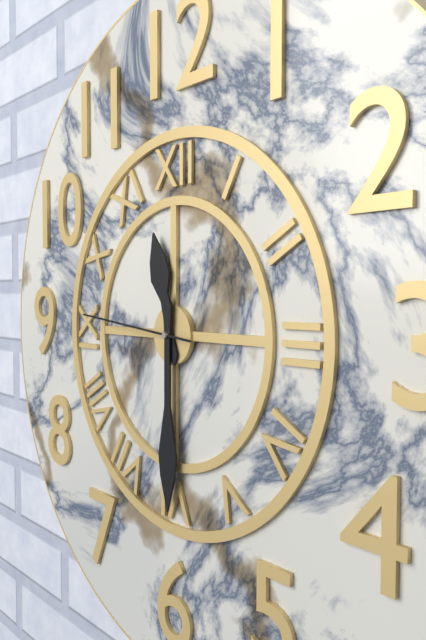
11:30:46
